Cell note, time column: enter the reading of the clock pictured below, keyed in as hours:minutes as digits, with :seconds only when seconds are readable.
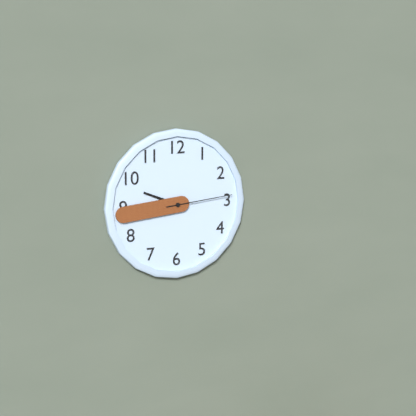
9:44:14
